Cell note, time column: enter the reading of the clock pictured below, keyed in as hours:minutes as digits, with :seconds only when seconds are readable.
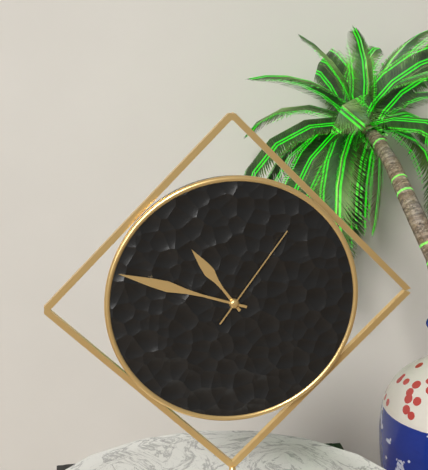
10:48:06
